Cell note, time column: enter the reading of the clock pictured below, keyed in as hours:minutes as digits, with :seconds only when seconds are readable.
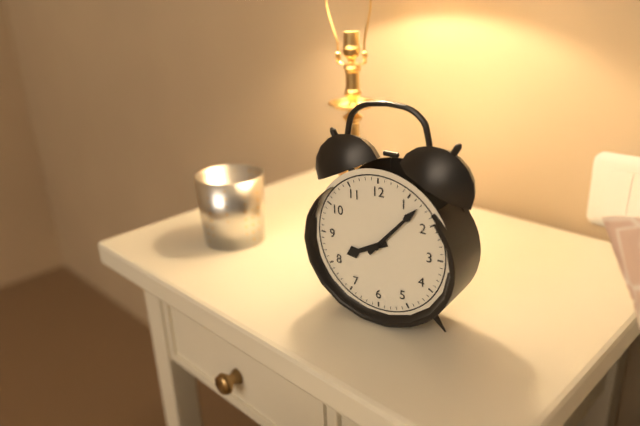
8:07
